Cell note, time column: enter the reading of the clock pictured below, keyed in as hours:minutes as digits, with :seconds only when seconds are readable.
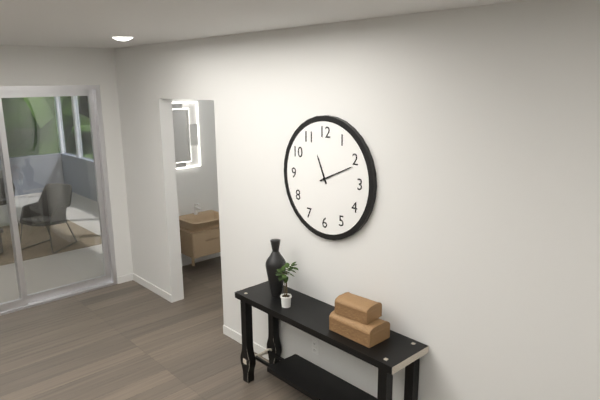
11:11
